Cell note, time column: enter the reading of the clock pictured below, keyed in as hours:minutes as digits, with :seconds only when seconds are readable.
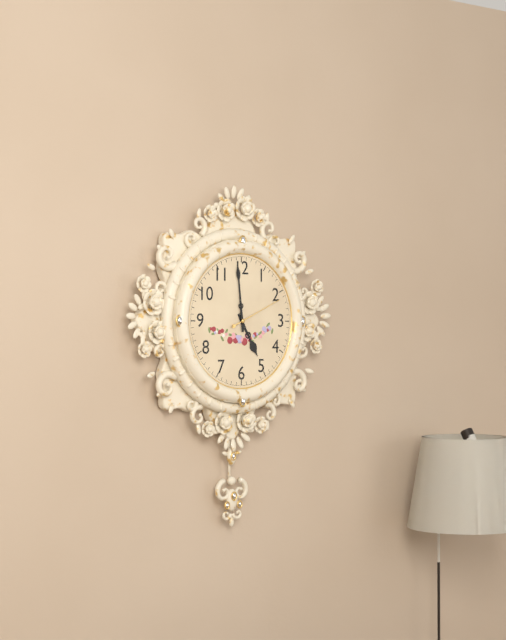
4:59:11
